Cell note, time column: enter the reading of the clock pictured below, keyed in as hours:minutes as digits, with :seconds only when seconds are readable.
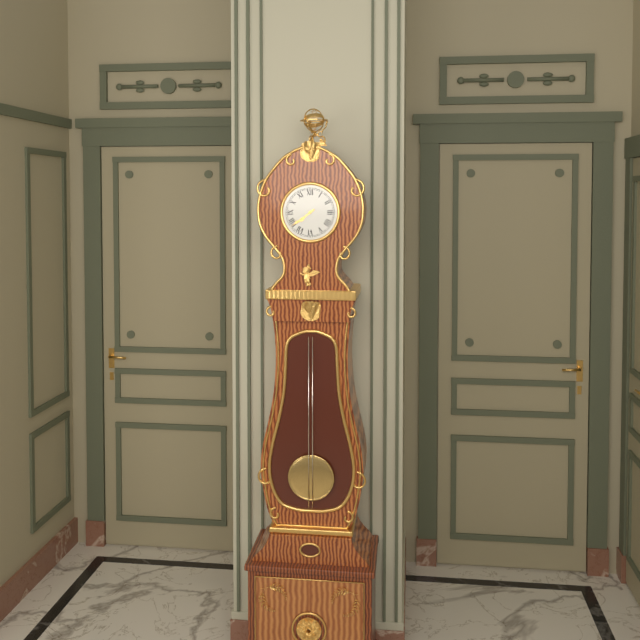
7:39
